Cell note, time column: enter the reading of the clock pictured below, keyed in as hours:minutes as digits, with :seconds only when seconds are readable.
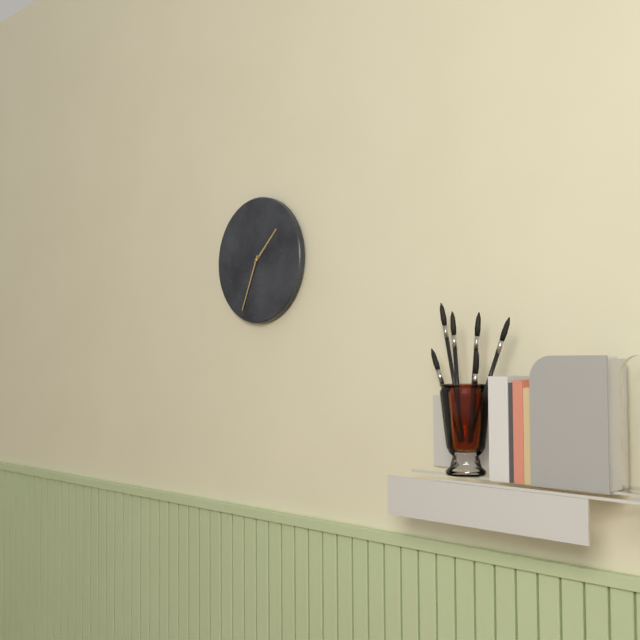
1:34
